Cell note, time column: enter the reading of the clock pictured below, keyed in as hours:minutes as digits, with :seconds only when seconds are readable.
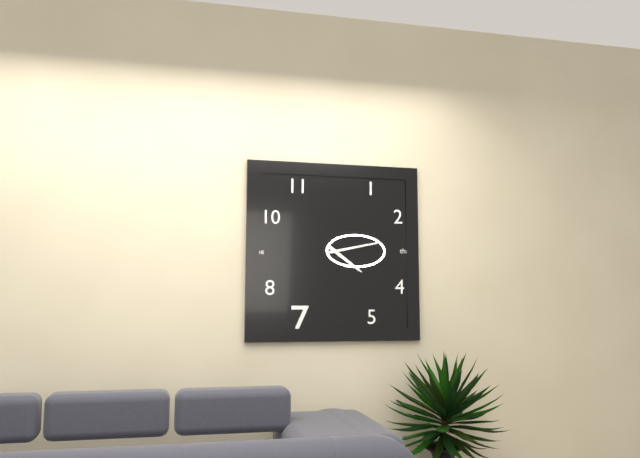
4:13
